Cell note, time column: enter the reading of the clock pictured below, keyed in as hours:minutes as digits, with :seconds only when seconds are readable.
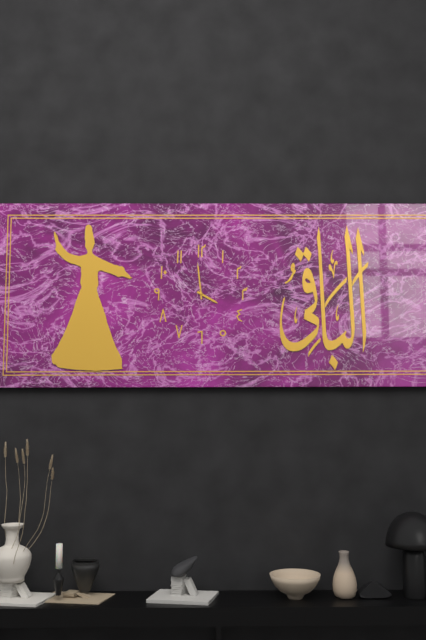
3:59
